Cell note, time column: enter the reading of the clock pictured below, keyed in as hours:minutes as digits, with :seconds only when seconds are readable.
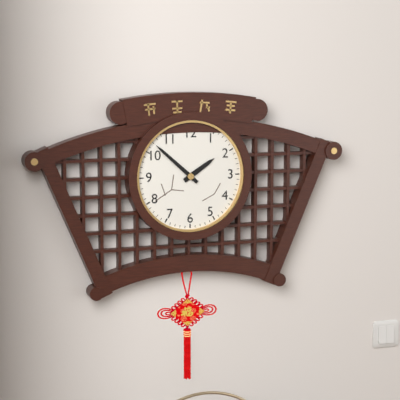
1:52
